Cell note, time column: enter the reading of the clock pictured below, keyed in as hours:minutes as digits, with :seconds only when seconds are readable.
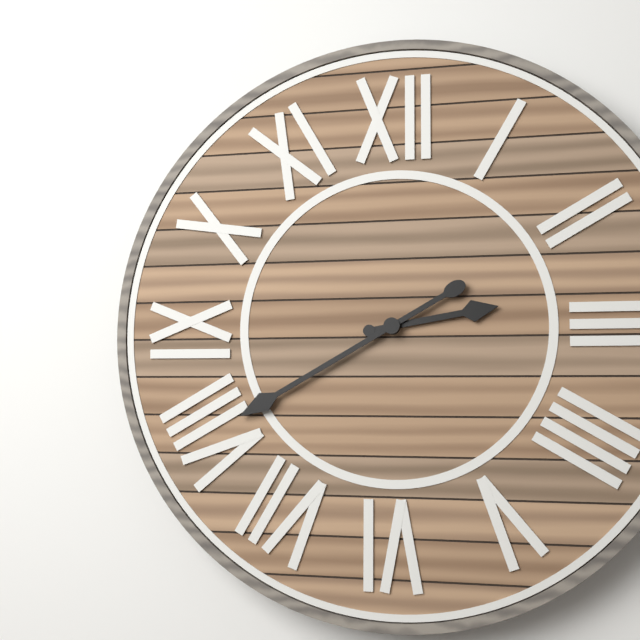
2:40
